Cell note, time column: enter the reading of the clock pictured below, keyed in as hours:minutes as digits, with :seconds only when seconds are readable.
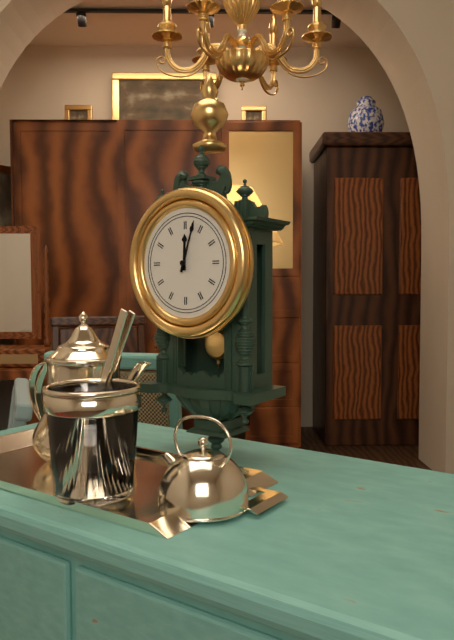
12:03
